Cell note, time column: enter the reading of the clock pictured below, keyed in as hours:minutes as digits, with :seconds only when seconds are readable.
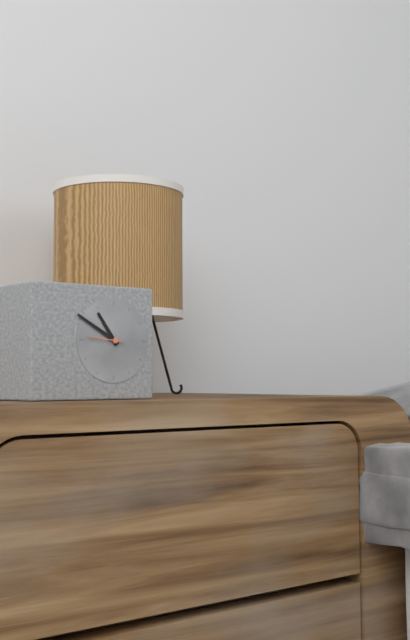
10:50
